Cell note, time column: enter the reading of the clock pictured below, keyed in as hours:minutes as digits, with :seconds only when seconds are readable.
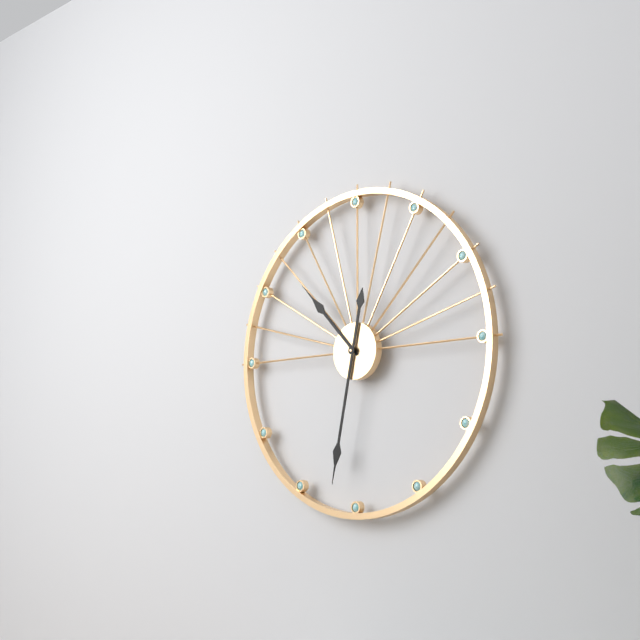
10:32
